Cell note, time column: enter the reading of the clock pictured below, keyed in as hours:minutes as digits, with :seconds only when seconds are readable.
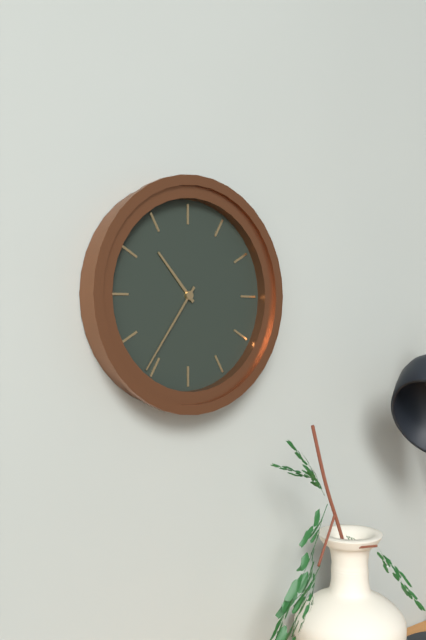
10:36
